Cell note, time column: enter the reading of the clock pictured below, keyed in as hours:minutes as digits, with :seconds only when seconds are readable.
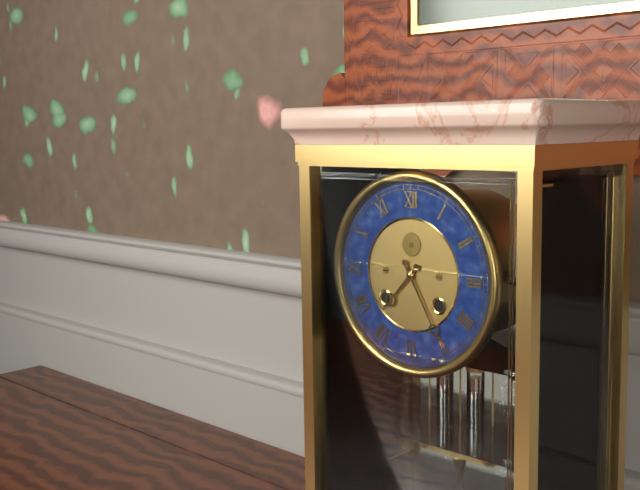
7:25
